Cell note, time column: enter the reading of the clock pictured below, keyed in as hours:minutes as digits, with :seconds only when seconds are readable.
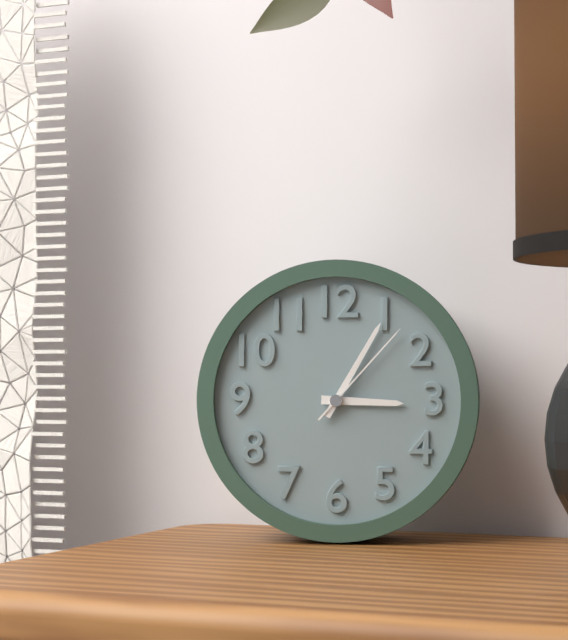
3:05:07
